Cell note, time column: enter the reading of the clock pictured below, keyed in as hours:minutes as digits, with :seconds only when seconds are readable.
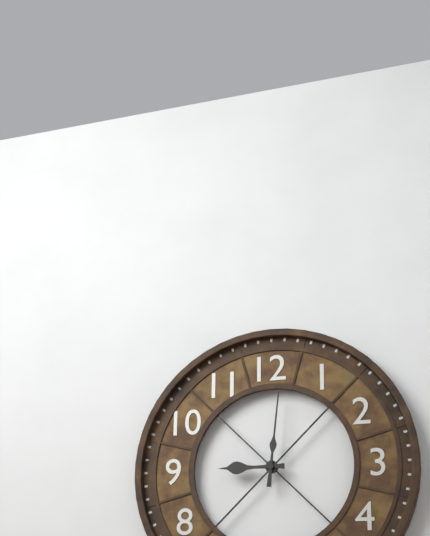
9:01
